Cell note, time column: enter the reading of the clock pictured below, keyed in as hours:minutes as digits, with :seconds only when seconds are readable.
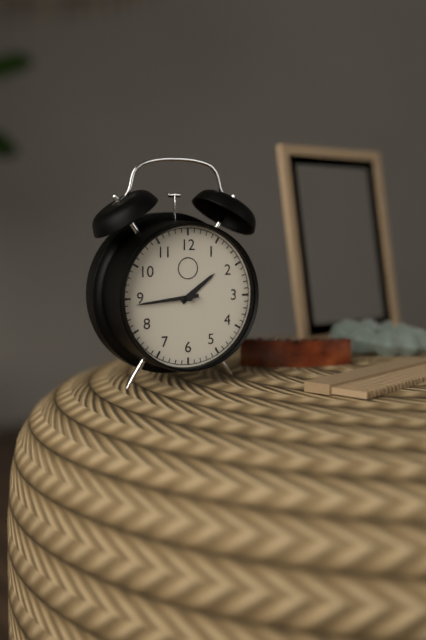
1:44
